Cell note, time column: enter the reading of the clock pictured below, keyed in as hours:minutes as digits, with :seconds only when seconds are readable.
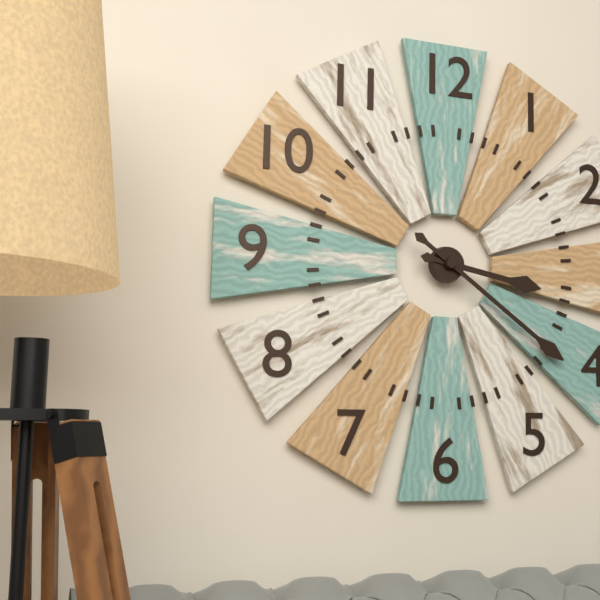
3:21
